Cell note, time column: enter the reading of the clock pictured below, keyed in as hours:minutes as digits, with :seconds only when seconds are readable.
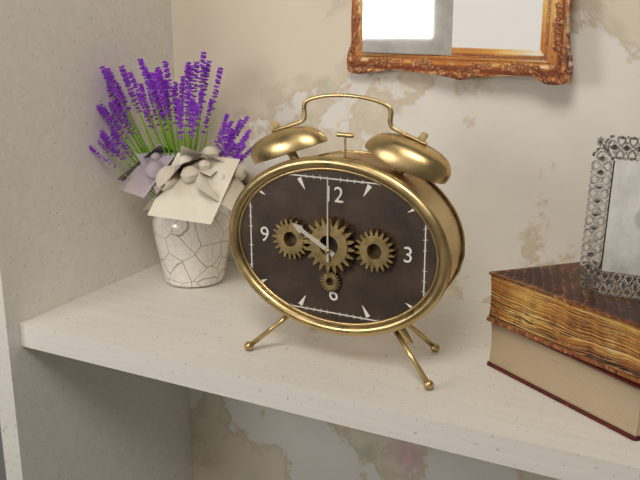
10:00
